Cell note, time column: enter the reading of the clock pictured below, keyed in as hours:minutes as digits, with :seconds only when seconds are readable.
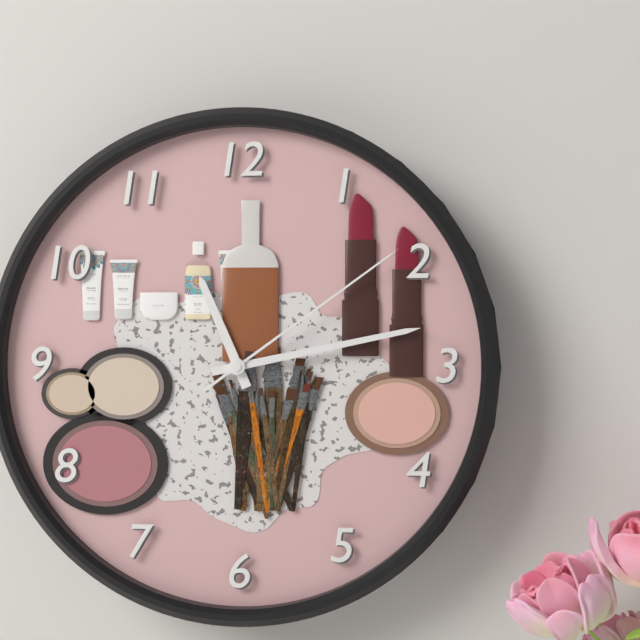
11:13:09
